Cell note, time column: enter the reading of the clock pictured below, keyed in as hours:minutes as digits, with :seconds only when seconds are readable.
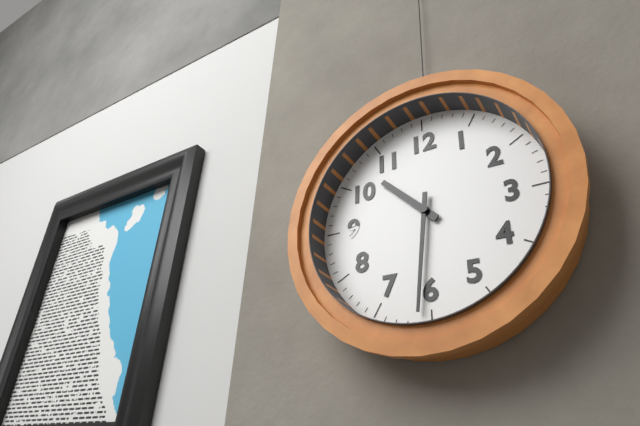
10:31
